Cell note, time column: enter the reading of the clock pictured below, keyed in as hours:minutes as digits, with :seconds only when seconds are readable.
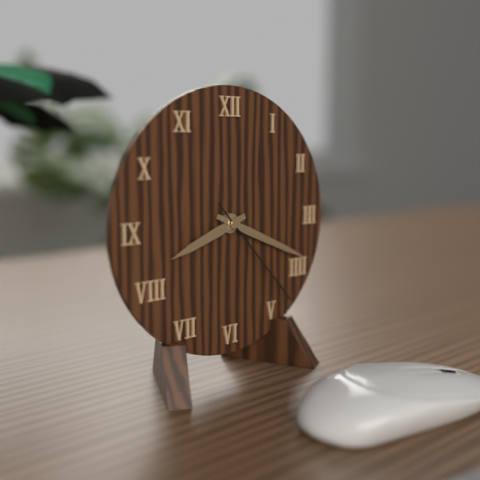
8:19:23
